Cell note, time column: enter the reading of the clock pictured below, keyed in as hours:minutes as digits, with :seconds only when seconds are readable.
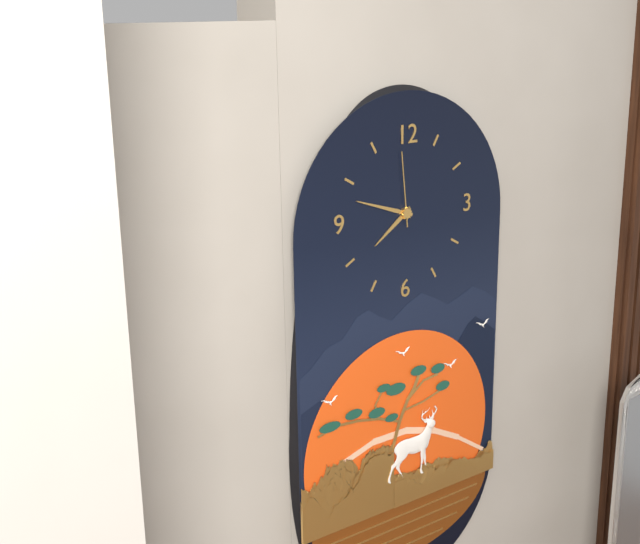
7:48:59
